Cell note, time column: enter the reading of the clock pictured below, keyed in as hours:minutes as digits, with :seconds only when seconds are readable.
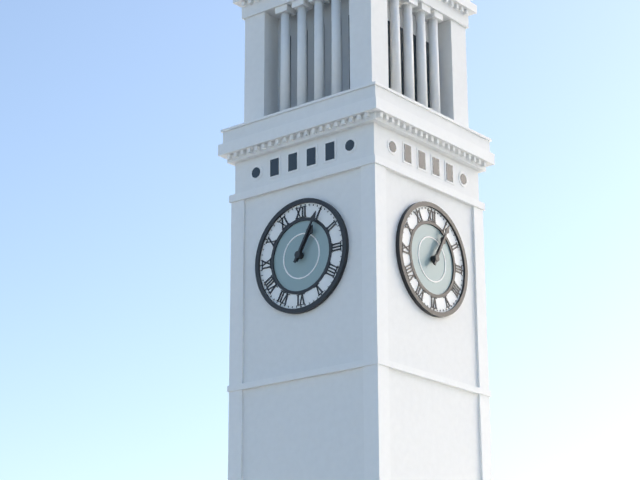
1:05
